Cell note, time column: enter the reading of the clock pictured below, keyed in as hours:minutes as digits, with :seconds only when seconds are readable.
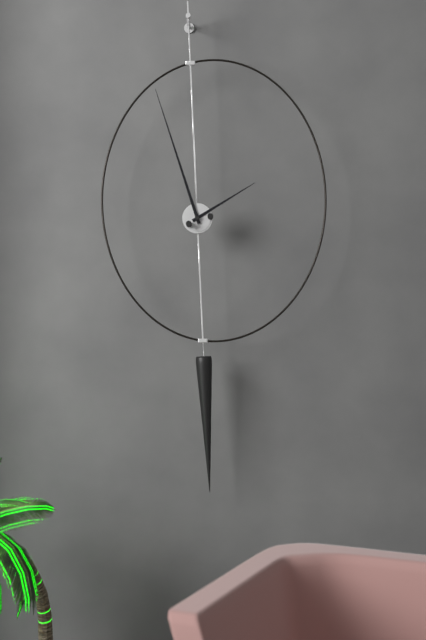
1:57
